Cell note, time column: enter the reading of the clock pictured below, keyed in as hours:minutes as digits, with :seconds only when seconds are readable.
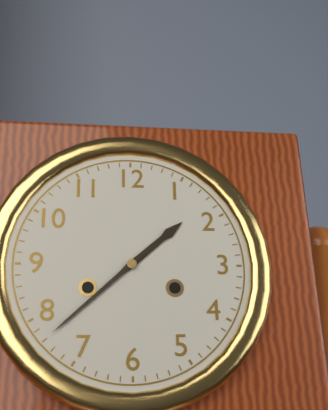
1:38
